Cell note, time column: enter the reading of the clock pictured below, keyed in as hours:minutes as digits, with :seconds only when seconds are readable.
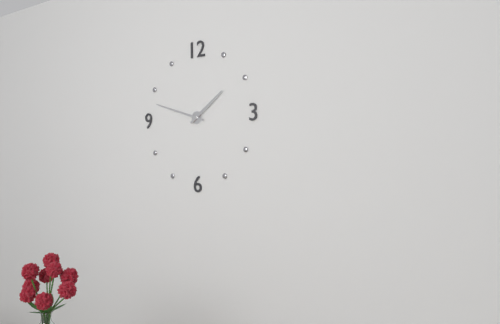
1:48
